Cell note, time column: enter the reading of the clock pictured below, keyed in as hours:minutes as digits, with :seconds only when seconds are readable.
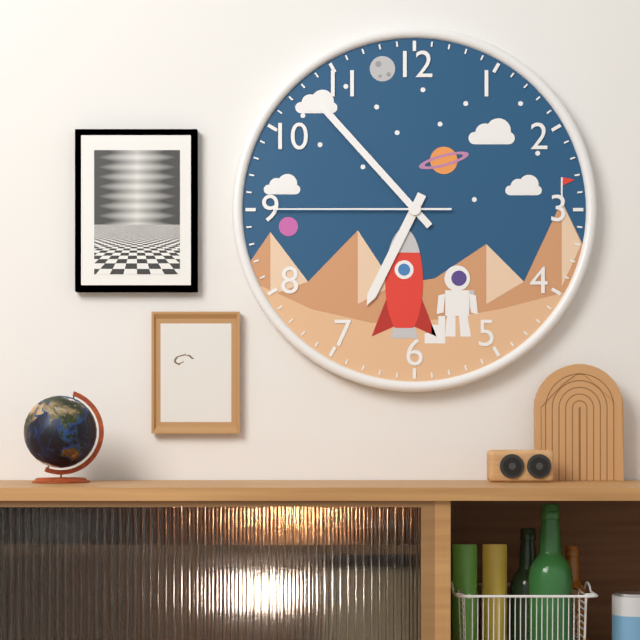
6:53:45
